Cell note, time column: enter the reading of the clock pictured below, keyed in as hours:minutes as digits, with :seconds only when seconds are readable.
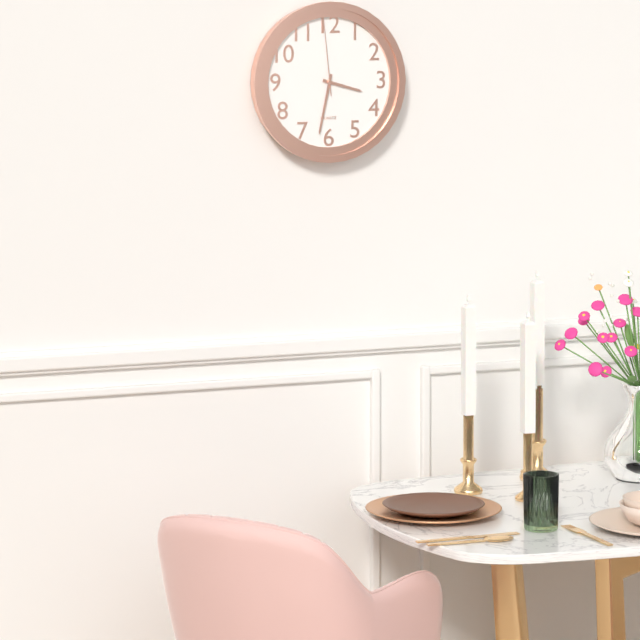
3:32:59
